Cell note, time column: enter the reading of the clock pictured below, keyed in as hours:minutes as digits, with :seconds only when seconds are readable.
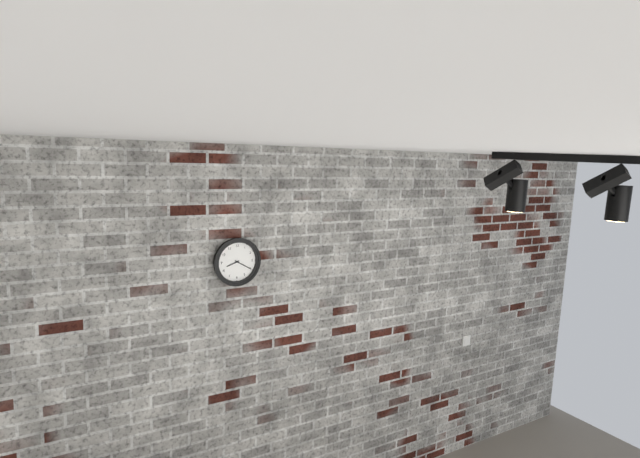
8:20
